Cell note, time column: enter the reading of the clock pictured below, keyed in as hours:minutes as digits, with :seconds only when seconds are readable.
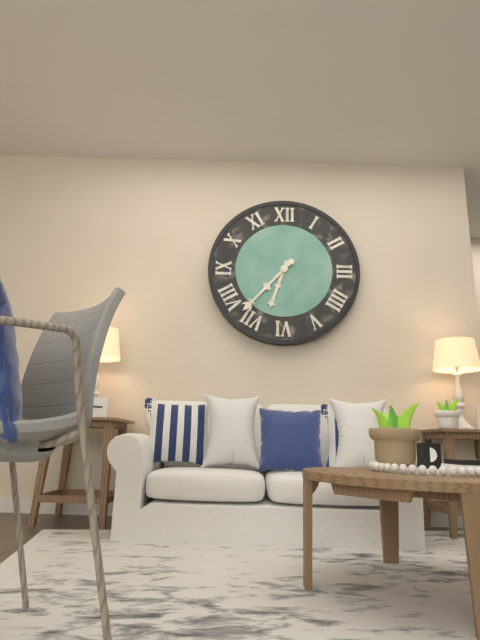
6:37
